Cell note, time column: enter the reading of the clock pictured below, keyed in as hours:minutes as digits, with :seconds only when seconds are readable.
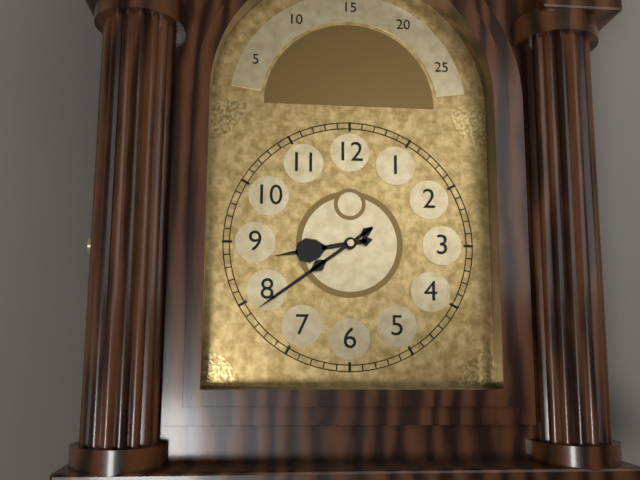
8:39
